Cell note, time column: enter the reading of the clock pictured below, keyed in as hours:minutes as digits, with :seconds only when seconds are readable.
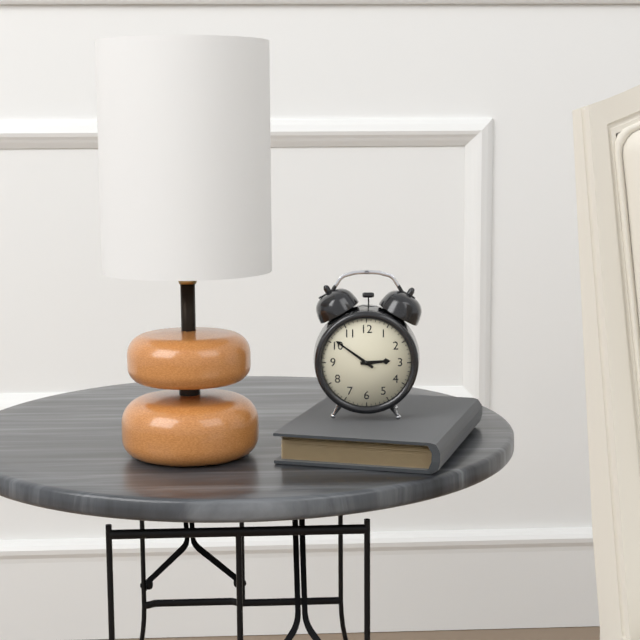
2:51
